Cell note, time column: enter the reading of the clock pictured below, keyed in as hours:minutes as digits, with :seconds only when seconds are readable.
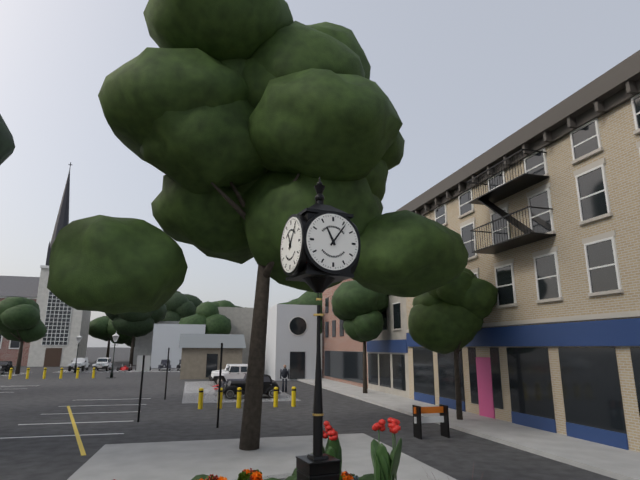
11:06
